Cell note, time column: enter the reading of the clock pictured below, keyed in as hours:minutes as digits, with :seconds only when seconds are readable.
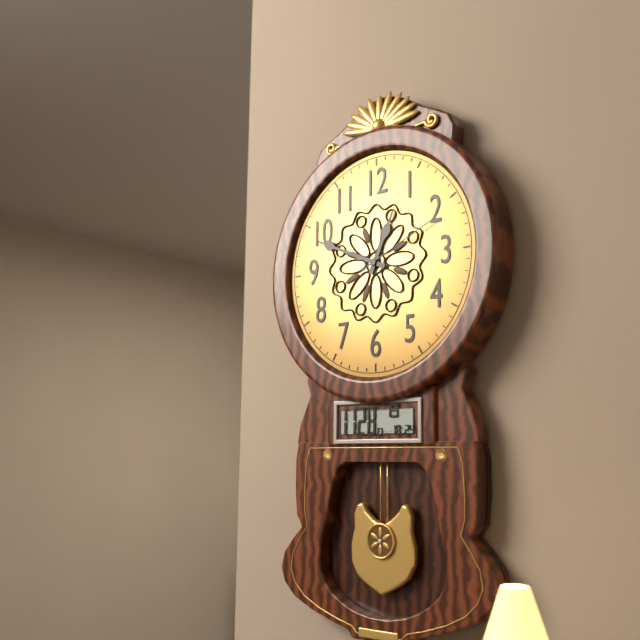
12:49:11
